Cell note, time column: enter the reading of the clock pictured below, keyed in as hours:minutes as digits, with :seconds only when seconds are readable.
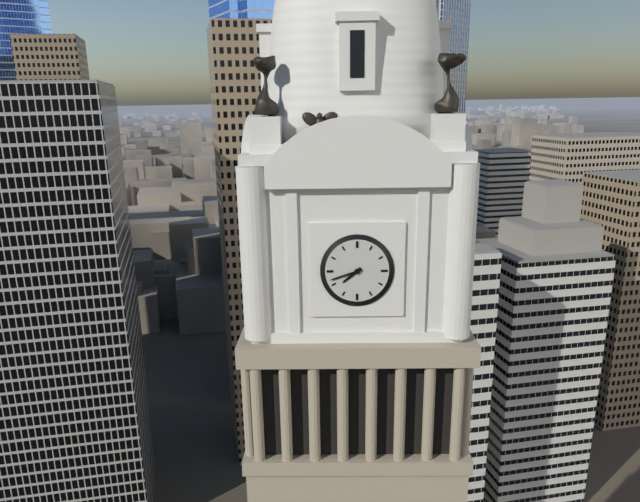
7:42
